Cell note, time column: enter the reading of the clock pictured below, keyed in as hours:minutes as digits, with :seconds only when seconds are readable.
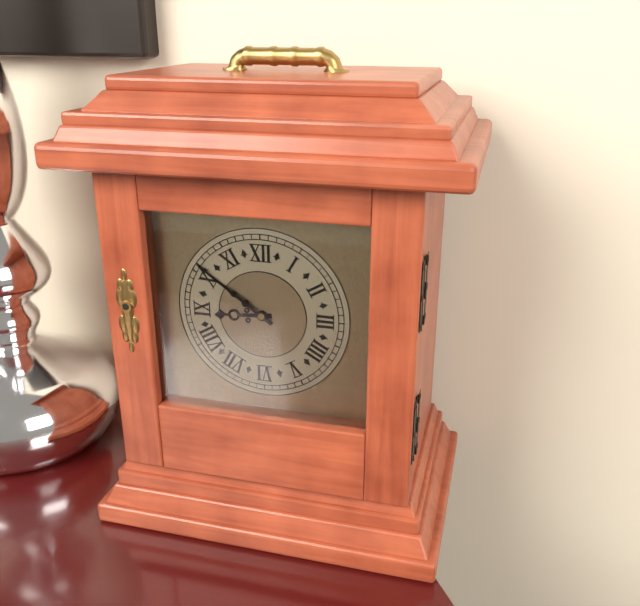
8:51
